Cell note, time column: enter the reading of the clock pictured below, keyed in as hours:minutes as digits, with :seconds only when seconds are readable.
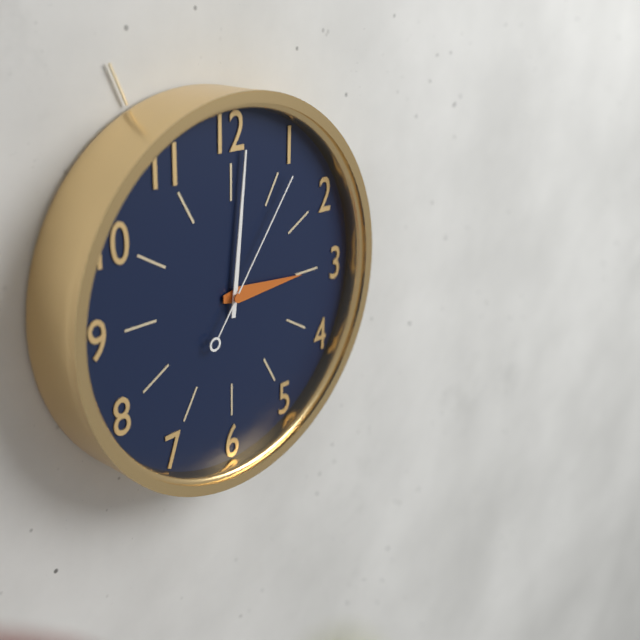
3:01:06
